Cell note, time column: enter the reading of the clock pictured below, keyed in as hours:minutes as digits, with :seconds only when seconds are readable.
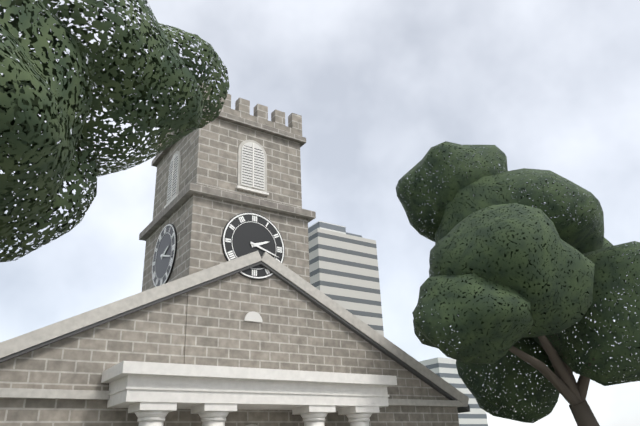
2:18
